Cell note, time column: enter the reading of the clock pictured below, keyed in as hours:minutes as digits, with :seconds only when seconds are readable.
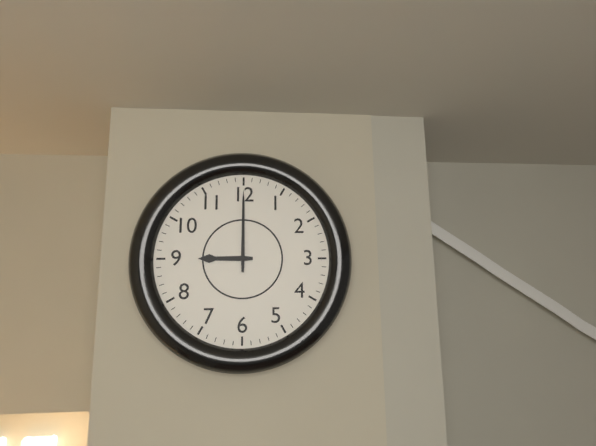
9:00
